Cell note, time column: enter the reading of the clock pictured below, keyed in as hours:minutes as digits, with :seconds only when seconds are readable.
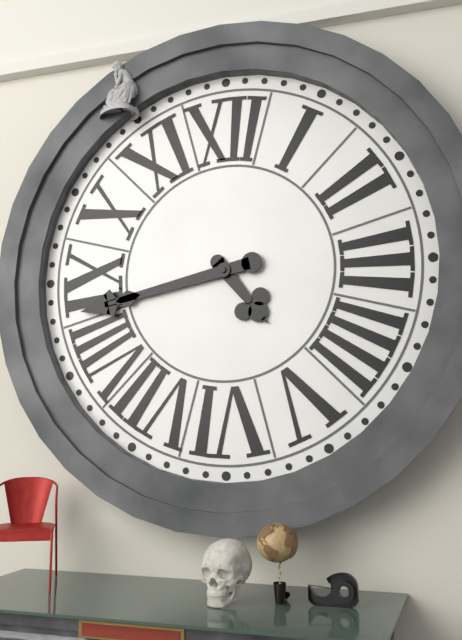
4:43
